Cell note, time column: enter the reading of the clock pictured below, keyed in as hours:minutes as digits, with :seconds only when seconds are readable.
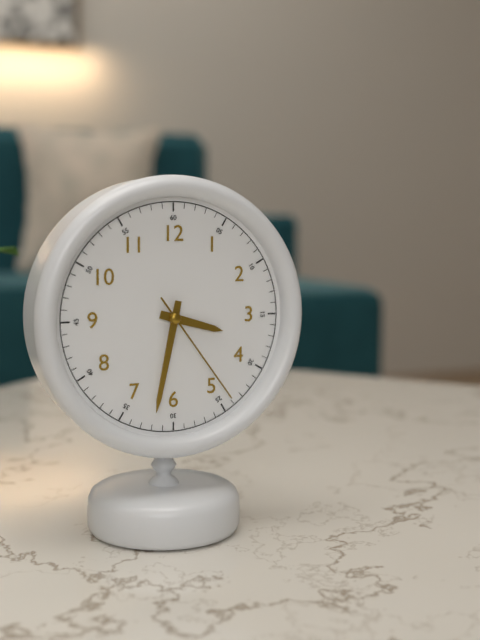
3:32:24
